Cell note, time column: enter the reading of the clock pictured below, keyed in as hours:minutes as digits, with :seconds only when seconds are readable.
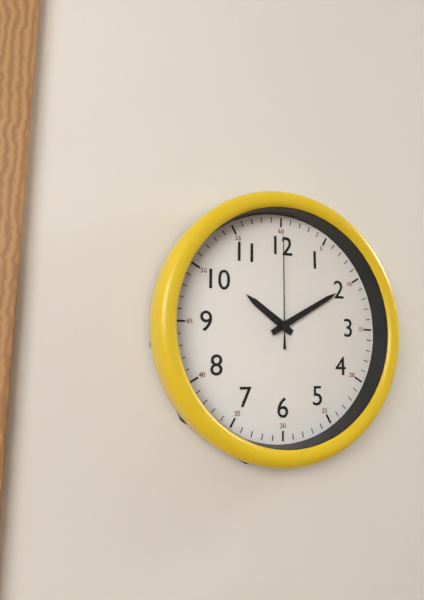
10:10:00
